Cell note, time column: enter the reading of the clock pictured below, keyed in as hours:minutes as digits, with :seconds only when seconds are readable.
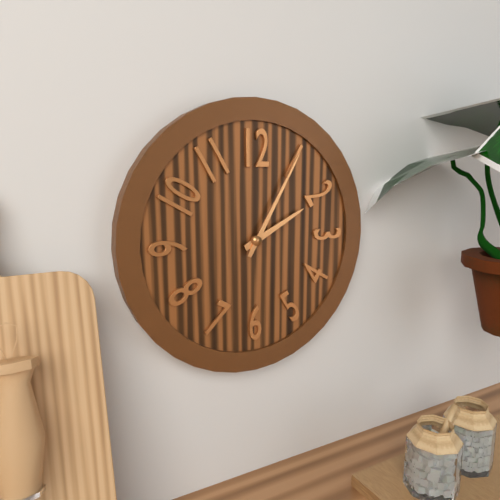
2:05
